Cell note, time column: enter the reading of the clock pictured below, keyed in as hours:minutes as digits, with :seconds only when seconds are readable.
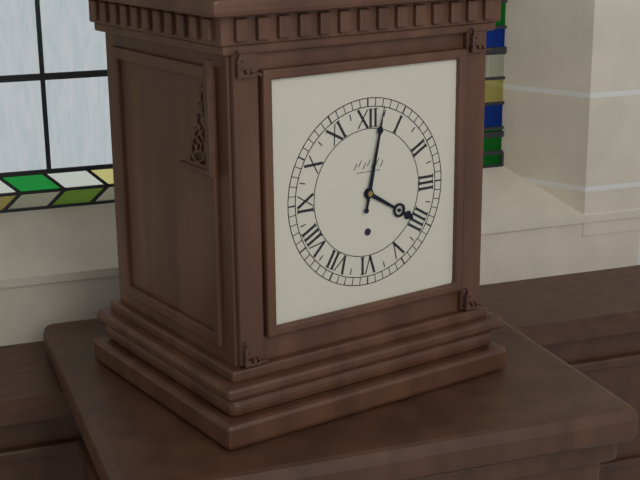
4:02
